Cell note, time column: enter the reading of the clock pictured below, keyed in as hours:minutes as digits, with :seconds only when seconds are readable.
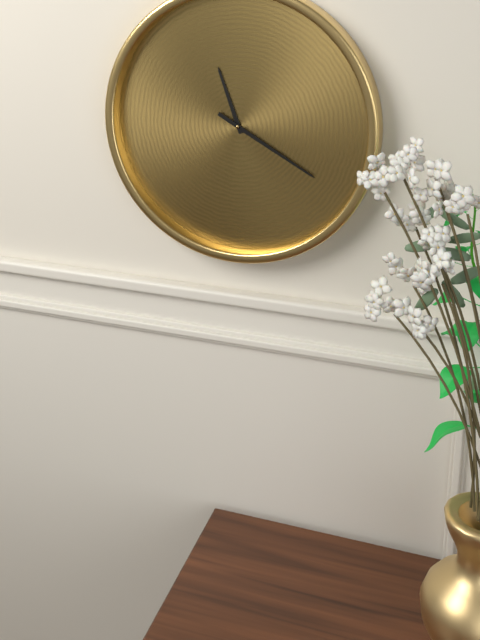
11:20
